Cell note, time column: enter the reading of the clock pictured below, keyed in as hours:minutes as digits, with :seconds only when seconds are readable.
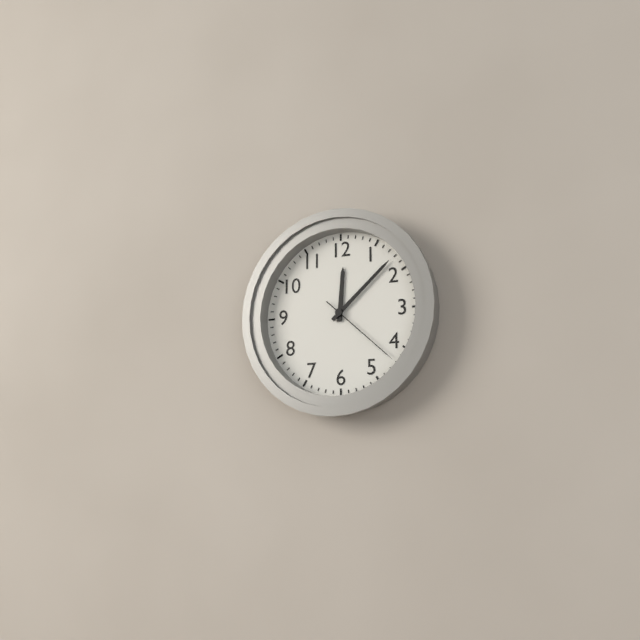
12:08:22
